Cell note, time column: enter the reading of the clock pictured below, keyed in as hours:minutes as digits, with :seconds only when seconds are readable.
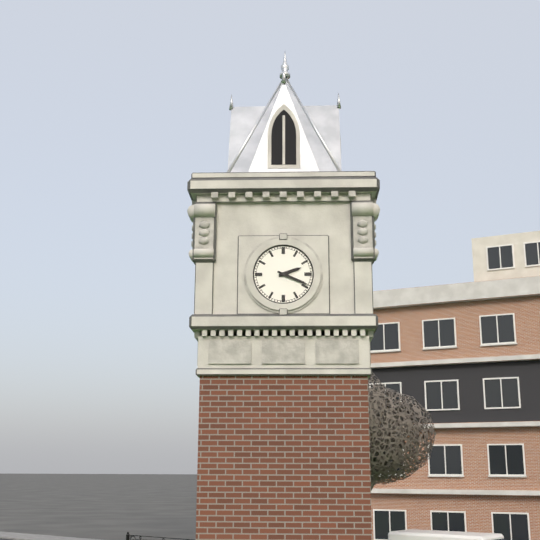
2:19
